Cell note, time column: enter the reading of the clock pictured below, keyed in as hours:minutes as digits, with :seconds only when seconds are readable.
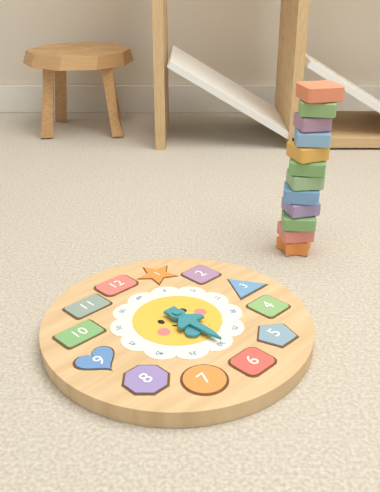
6:30
